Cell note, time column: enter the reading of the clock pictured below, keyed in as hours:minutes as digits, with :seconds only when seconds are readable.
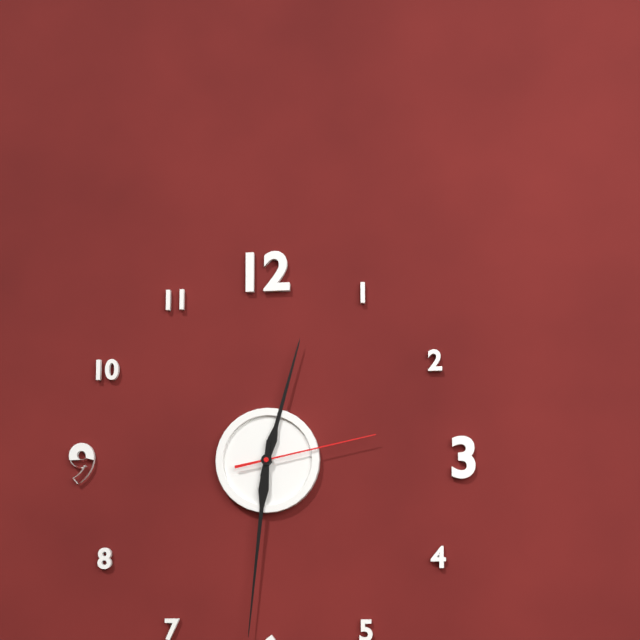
12:31:13
